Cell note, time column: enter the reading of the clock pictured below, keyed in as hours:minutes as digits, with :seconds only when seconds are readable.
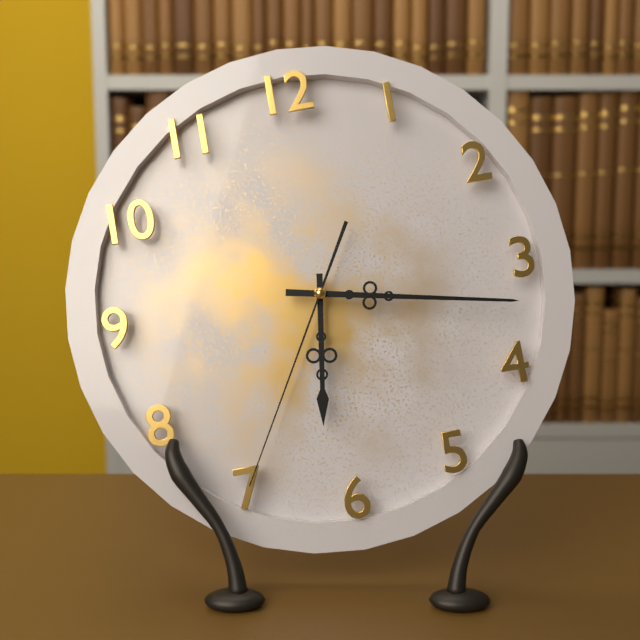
6:17:35
